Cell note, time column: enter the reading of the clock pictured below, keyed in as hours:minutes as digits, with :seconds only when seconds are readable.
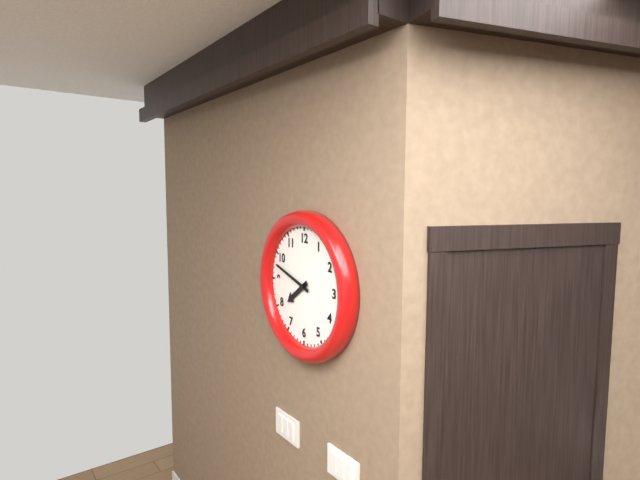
7:48
